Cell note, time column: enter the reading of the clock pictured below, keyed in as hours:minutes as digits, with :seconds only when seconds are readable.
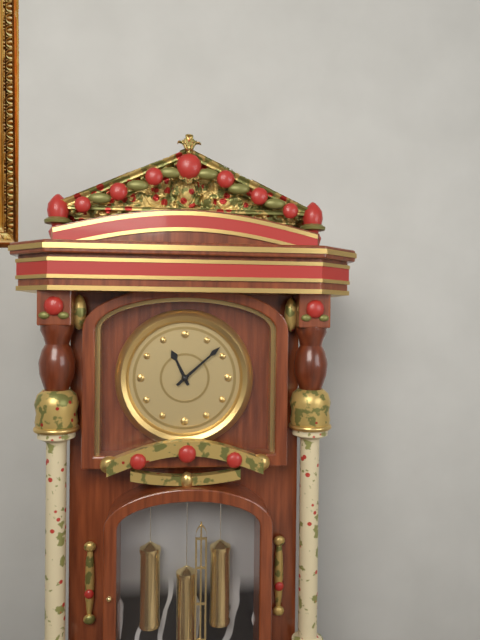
11:08
